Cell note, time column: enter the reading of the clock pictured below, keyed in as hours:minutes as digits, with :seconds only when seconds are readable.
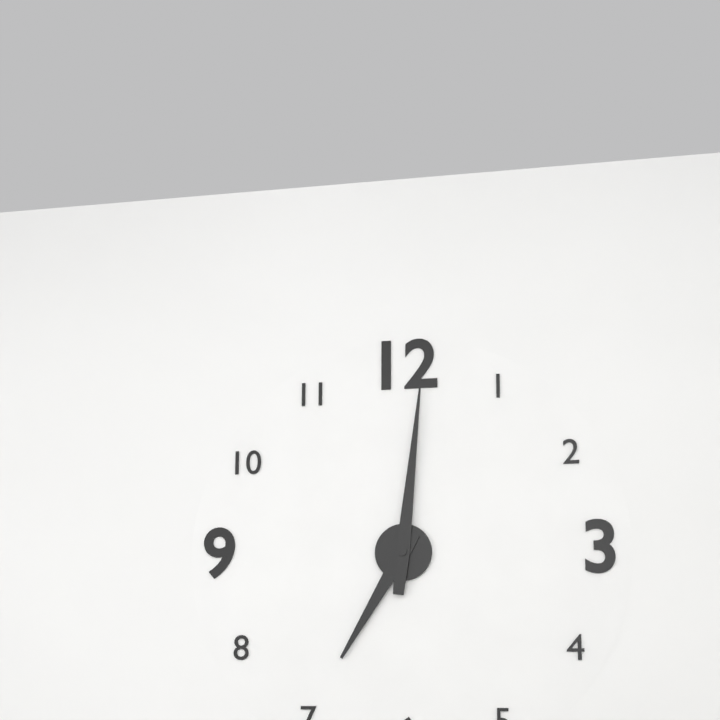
7:01
